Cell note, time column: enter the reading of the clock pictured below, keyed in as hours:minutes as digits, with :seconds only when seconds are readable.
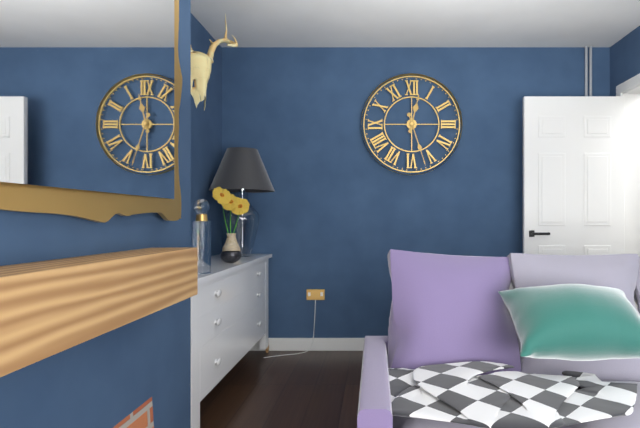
12:27
